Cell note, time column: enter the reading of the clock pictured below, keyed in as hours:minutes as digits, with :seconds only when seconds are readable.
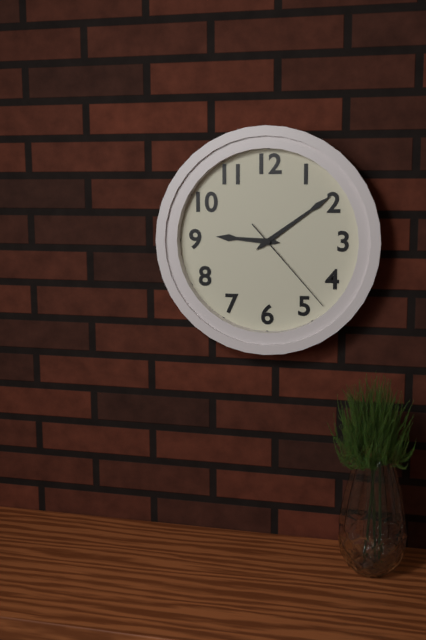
9:09:23
